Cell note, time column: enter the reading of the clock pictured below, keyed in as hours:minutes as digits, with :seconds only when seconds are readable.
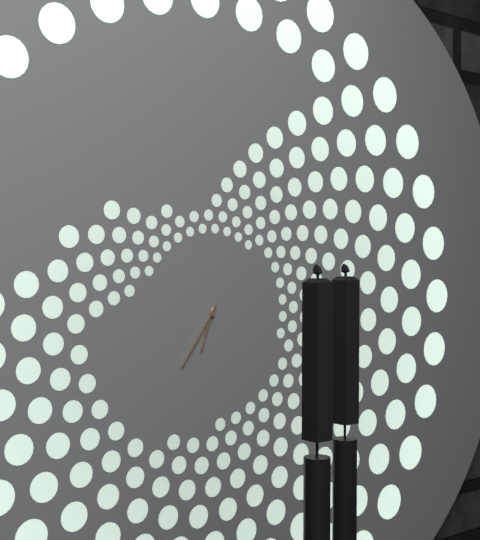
6:36
